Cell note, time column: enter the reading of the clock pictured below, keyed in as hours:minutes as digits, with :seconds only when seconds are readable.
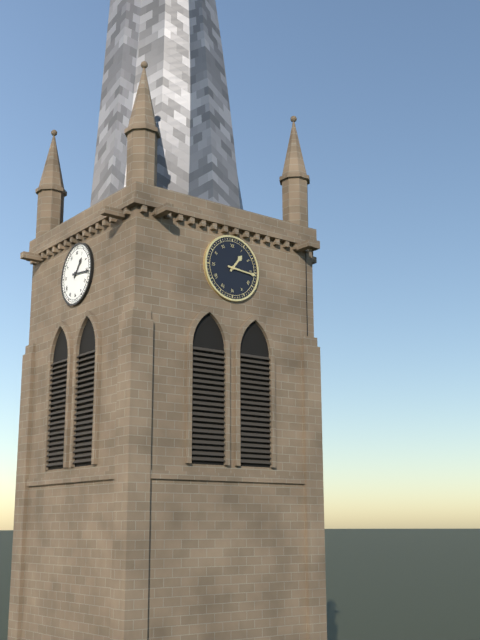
1:16
